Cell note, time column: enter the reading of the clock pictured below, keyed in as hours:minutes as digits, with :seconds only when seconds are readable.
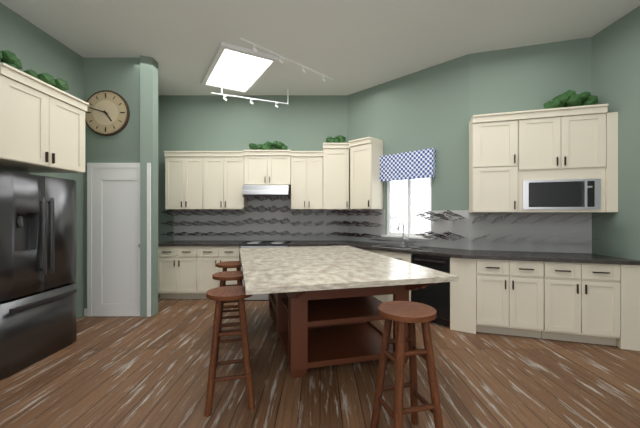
4:48
